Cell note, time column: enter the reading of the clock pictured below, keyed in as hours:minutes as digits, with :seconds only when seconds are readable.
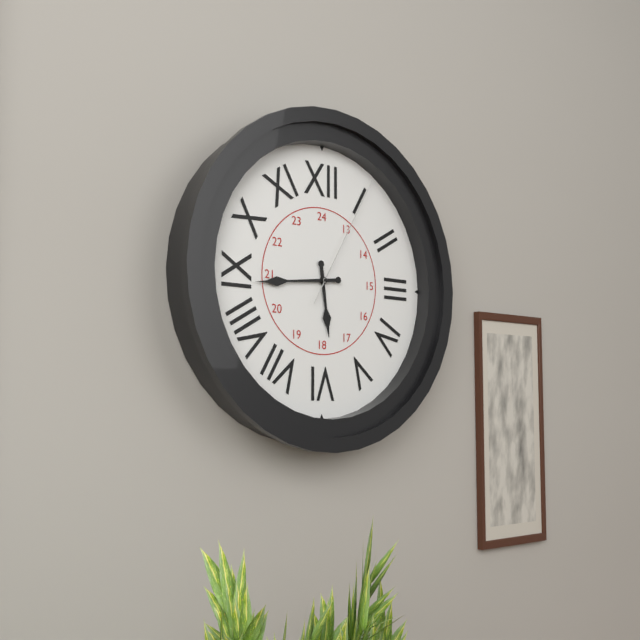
5:44:05
